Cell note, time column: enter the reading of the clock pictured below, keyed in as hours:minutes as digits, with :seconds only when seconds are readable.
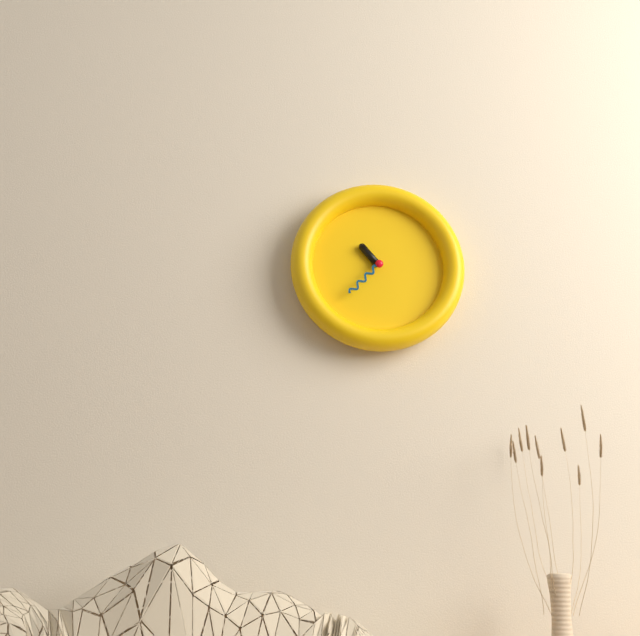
10:37
